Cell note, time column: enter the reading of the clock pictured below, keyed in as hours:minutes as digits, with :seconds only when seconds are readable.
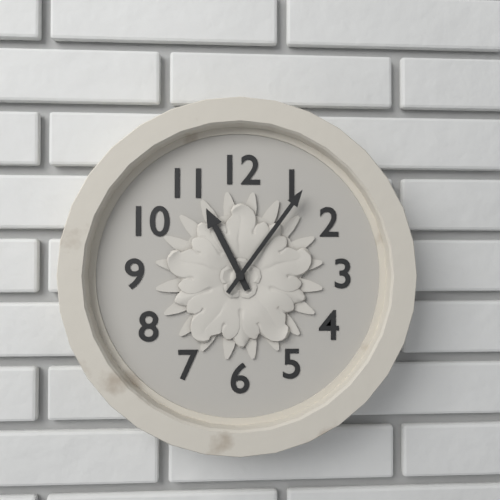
11:06
